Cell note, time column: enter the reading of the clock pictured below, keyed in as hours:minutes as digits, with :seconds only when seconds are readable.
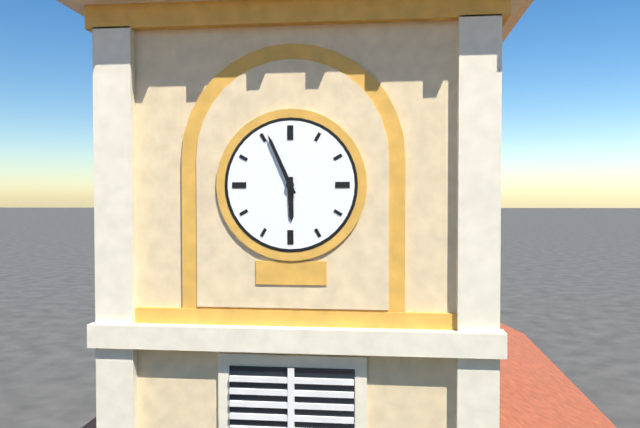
5:56
